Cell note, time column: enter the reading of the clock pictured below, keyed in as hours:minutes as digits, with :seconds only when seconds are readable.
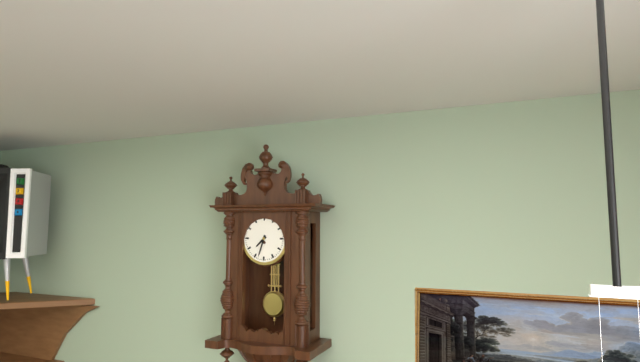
7:33
